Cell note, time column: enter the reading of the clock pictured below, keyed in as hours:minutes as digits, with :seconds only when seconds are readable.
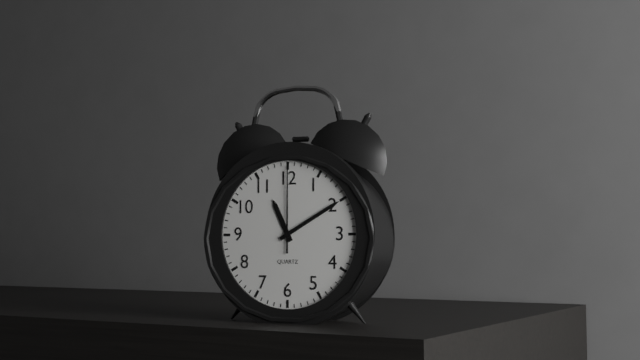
11:10:00
